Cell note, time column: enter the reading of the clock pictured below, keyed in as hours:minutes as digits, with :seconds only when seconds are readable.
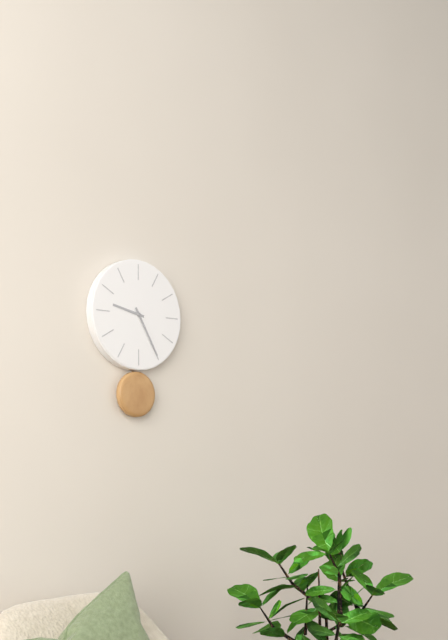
9:25
